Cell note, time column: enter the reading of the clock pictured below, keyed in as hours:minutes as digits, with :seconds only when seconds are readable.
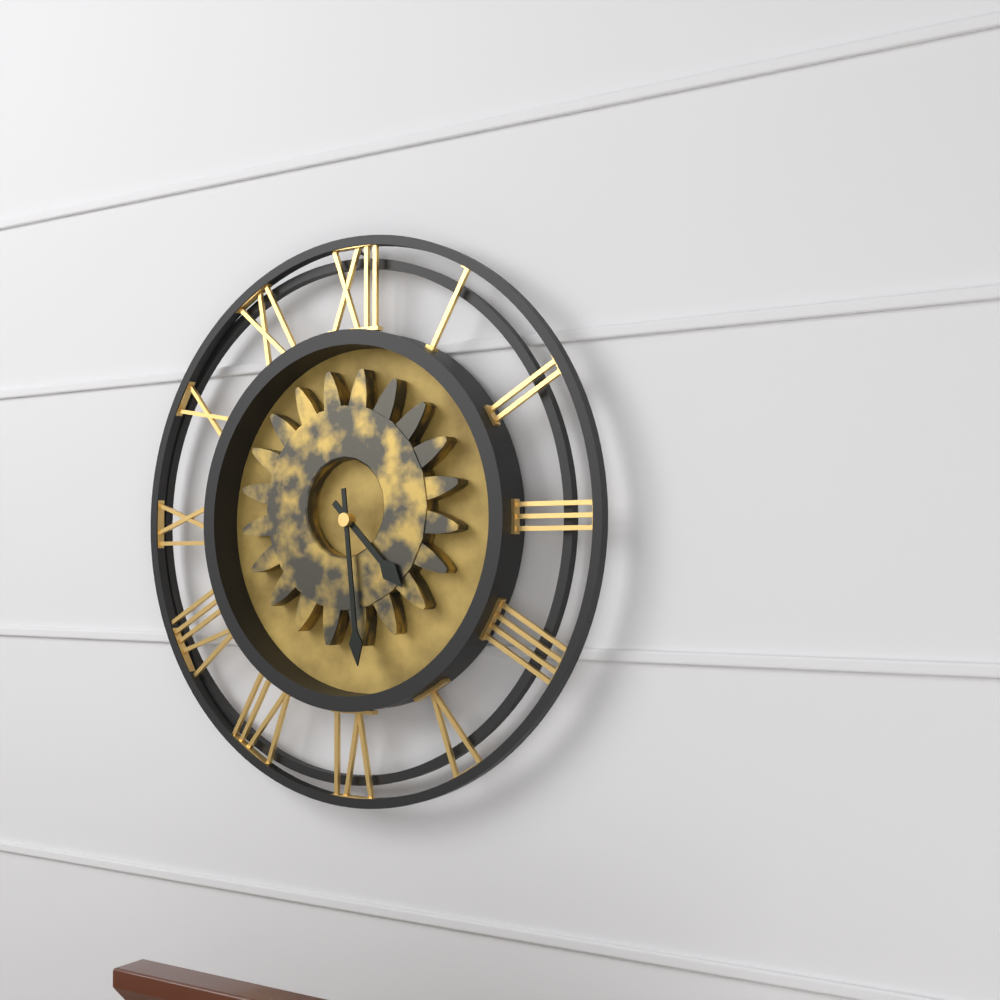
4:29
